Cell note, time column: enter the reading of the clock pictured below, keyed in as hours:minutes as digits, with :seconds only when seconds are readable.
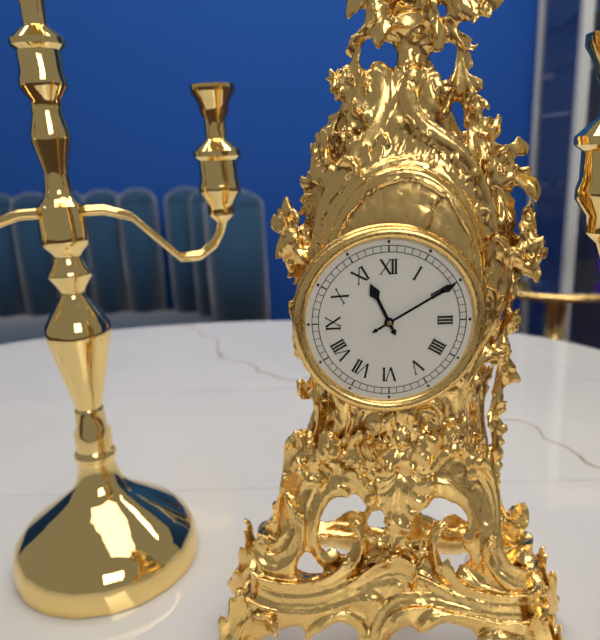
11:10
